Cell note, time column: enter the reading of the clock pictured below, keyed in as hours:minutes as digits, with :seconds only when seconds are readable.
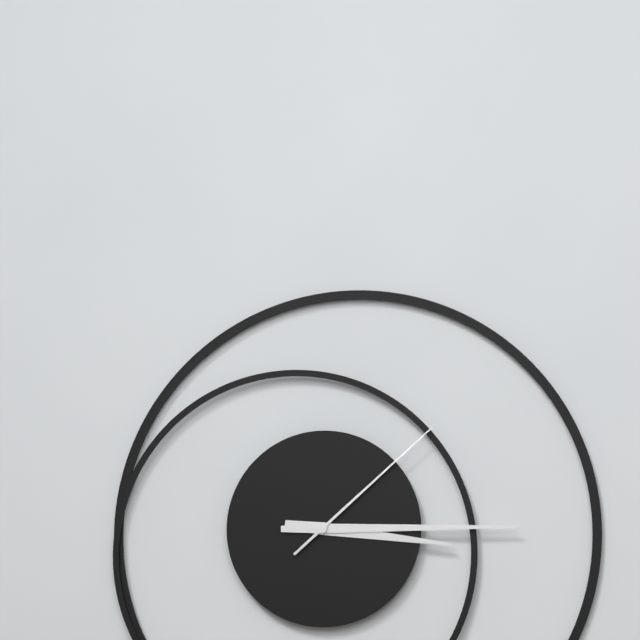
3:15:08
